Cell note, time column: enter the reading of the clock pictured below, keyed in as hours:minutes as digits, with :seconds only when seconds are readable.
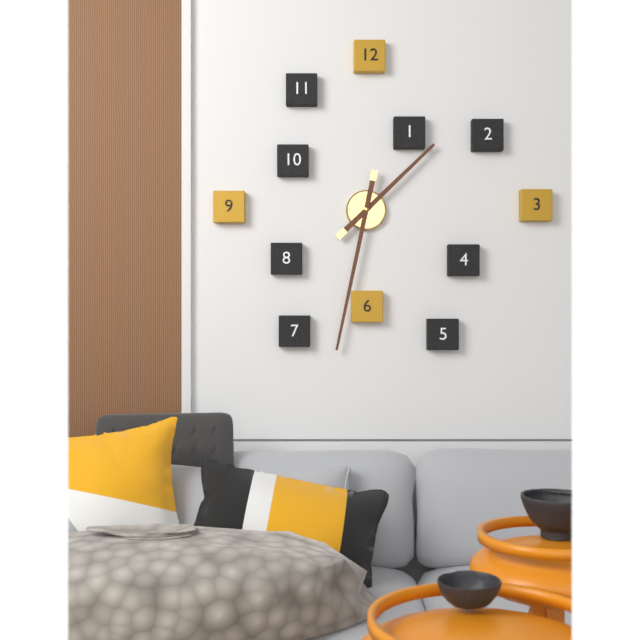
1:32
